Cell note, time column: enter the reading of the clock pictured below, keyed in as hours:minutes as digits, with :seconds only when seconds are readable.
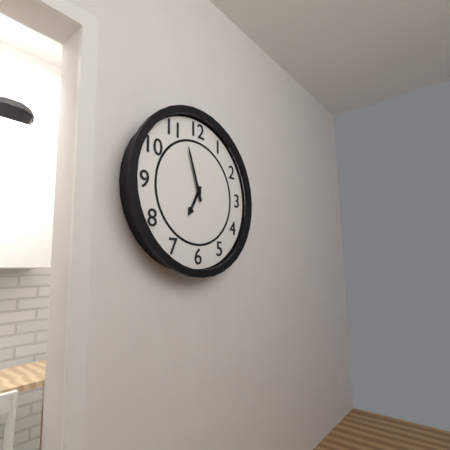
6:57
